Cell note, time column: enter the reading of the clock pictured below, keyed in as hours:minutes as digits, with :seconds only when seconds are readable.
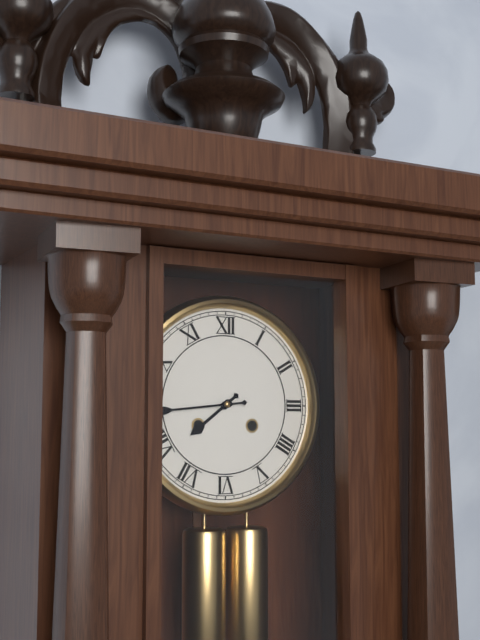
7:44
